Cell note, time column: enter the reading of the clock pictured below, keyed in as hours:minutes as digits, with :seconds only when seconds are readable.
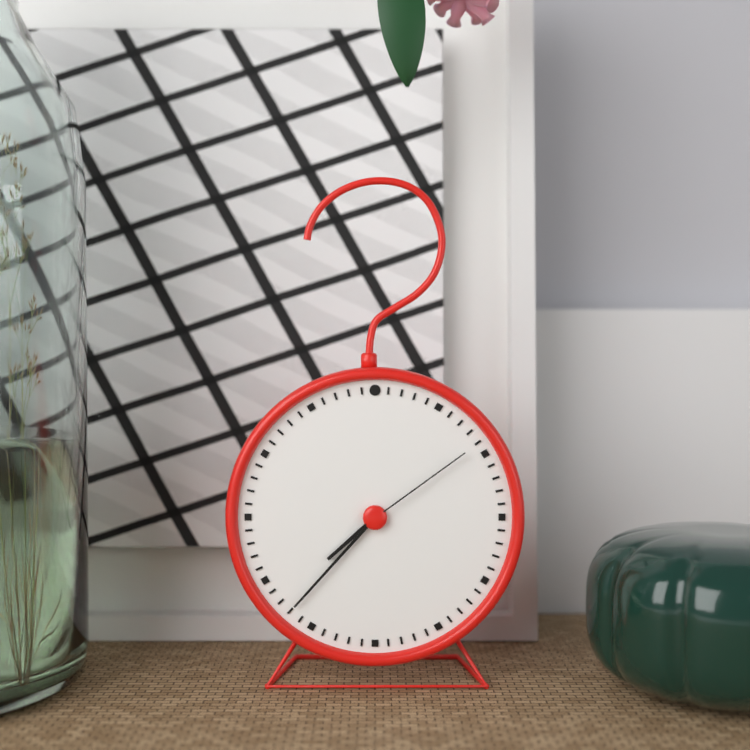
7:37:09
